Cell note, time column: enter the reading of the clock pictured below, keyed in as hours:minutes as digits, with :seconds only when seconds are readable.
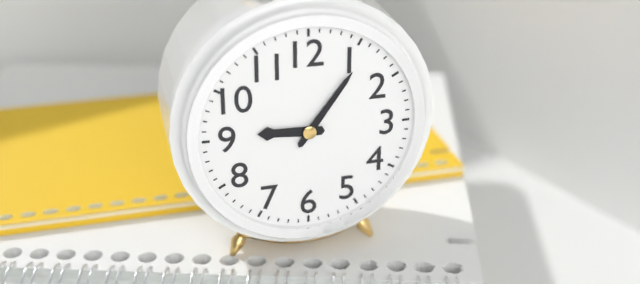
9:06
